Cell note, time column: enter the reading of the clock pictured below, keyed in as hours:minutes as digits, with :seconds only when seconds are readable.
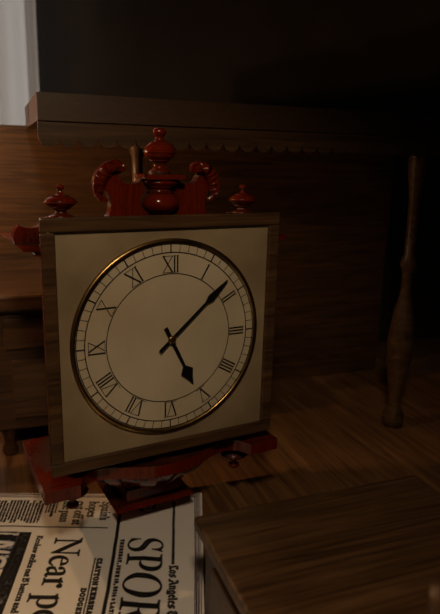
5:08
